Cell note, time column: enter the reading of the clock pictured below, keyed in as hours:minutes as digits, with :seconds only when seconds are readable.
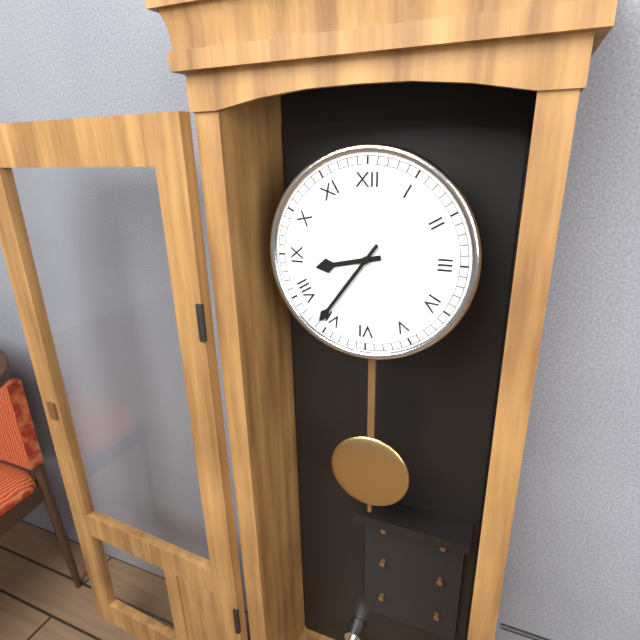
8:36
